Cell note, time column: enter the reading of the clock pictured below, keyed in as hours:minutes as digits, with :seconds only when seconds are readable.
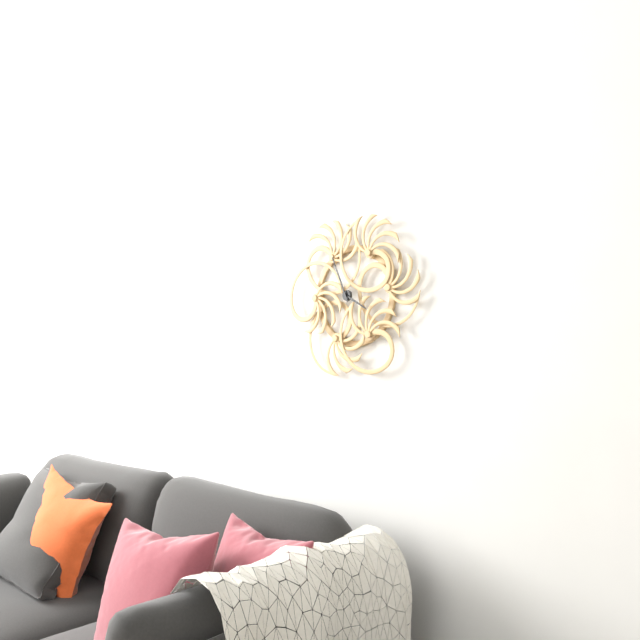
3:56
